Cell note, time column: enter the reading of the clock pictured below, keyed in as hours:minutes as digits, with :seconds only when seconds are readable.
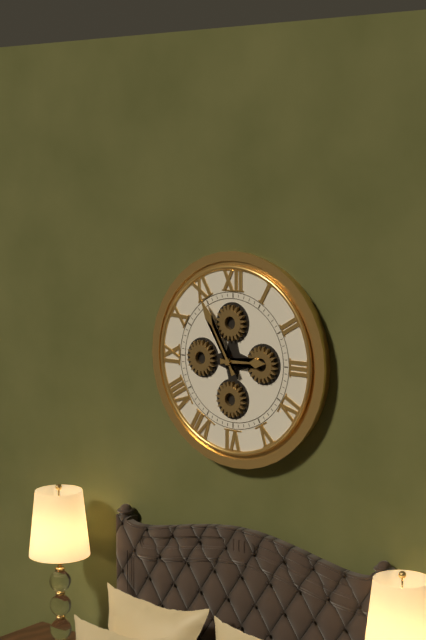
2:55
